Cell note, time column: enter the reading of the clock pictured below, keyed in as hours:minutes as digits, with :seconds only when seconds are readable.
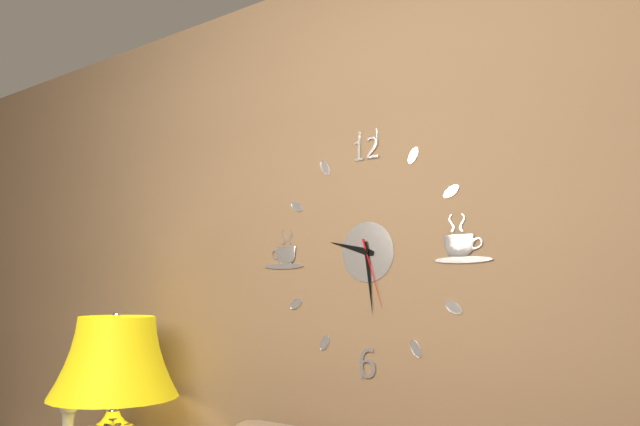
9:29:27
